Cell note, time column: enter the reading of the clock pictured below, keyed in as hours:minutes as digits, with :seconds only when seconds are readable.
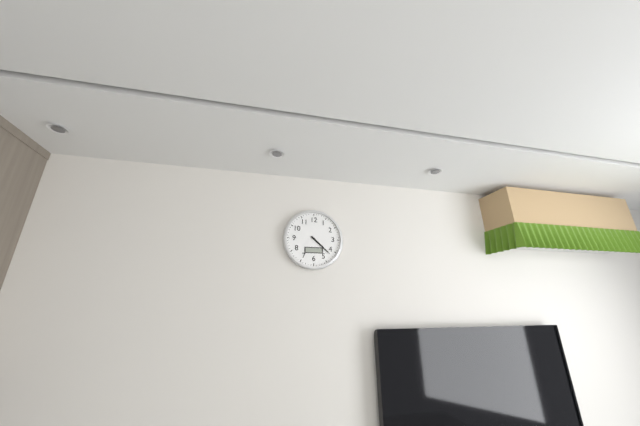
4:22
